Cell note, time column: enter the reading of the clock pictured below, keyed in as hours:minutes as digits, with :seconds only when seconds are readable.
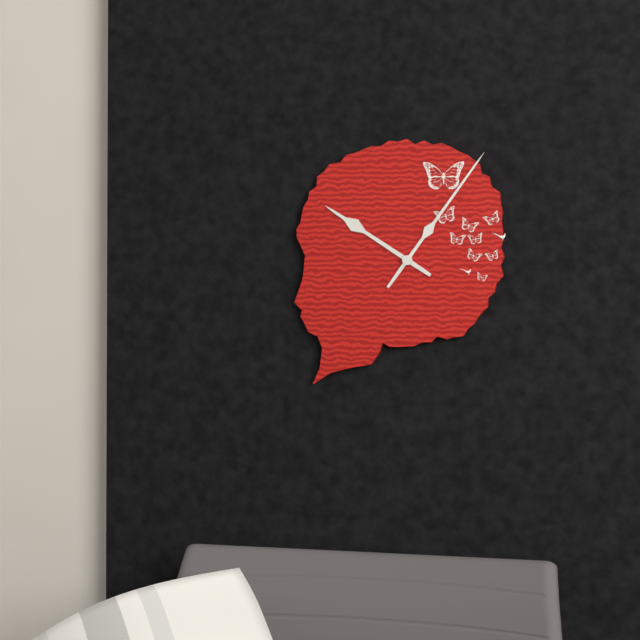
10:06
